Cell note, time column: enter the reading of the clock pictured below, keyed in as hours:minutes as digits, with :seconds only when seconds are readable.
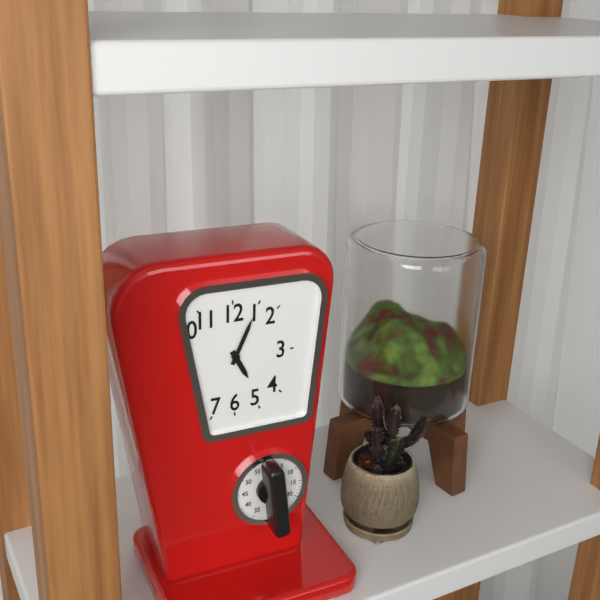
5:04
